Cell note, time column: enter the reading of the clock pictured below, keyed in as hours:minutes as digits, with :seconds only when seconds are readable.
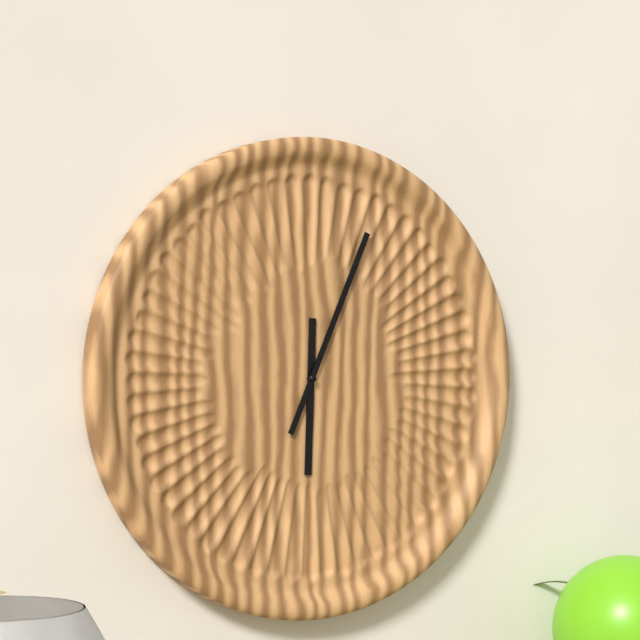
6:04
